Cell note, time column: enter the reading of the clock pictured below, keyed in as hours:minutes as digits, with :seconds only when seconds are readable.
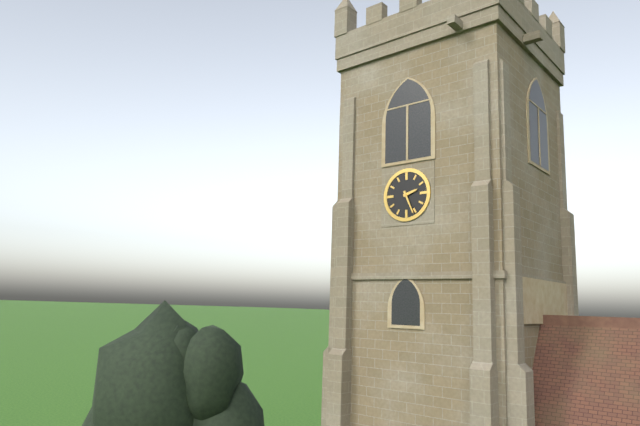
2:26
